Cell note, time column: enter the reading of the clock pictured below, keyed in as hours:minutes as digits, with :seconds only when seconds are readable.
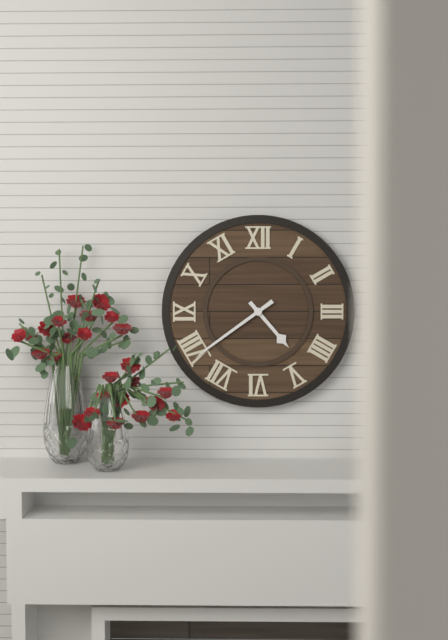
4:39
